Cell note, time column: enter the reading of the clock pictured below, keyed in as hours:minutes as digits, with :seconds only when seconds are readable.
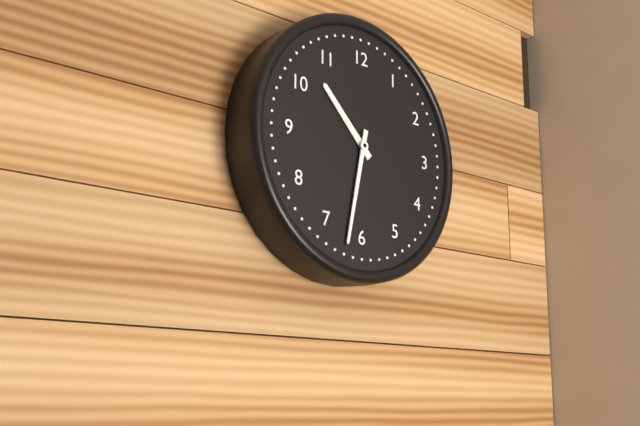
10:32
